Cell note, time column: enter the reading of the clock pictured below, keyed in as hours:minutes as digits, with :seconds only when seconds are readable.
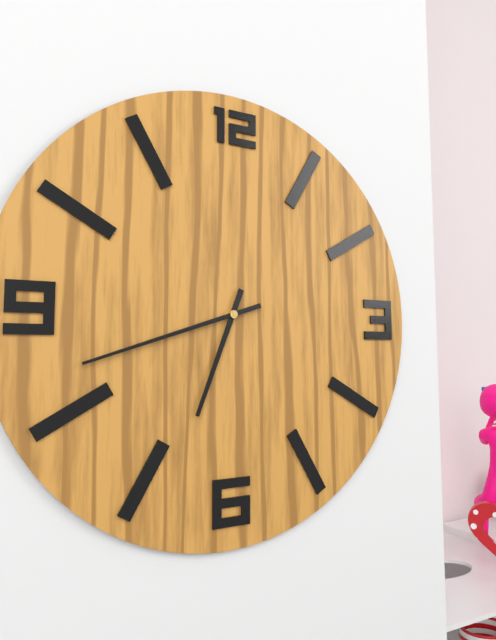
6:42
